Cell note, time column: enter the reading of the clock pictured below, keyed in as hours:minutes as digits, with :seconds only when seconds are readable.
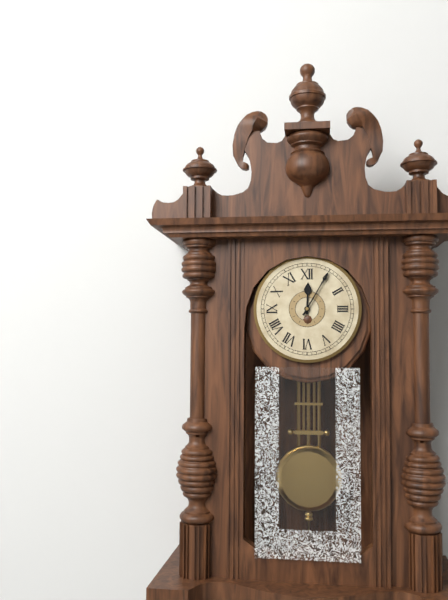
12:05
